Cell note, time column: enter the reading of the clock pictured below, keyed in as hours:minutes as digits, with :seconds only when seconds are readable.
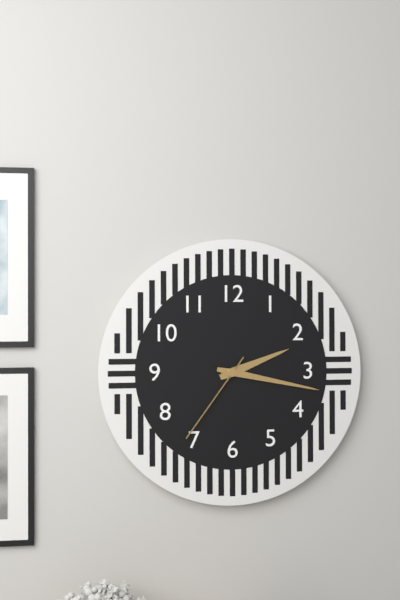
2:17:36
